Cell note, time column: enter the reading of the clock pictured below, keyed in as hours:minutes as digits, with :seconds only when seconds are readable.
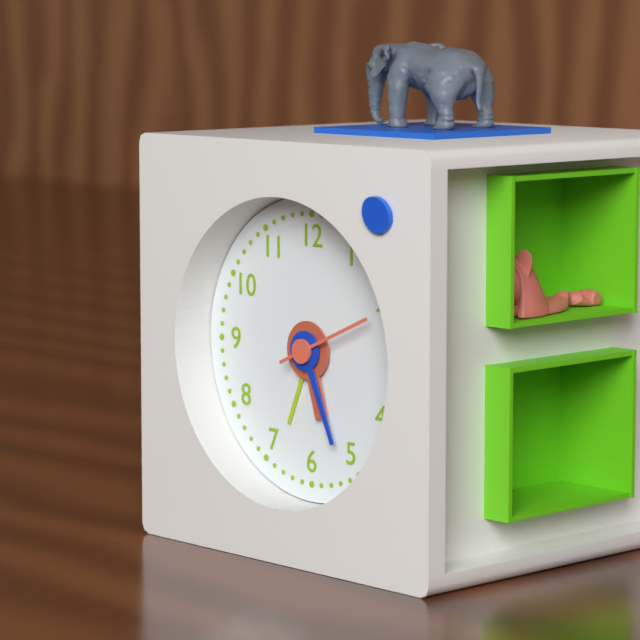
5:26:11
